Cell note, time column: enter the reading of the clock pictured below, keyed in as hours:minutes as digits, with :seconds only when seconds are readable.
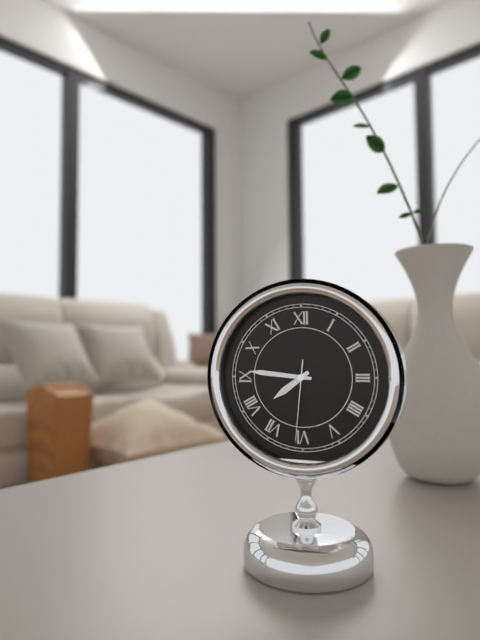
7:46:31
